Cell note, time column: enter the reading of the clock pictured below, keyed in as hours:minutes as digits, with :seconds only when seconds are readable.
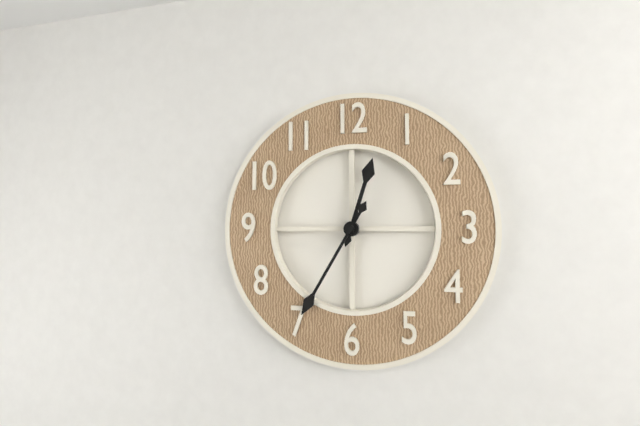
12:35
